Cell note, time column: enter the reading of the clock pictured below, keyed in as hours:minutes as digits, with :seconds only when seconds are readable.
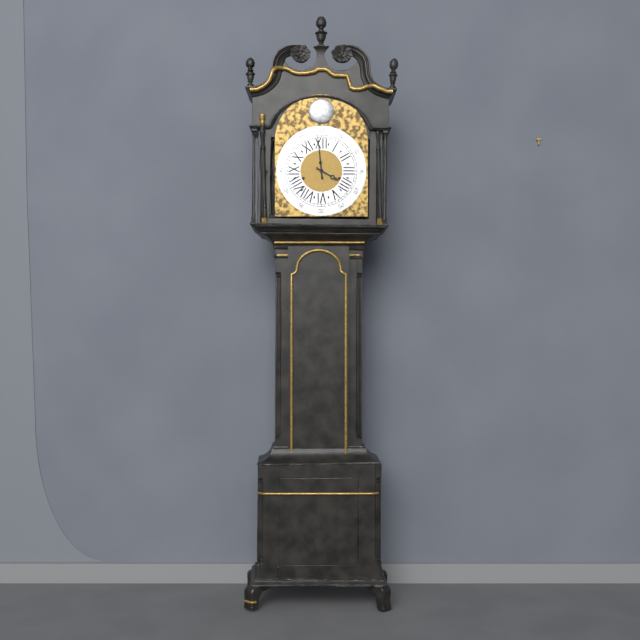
3:59
